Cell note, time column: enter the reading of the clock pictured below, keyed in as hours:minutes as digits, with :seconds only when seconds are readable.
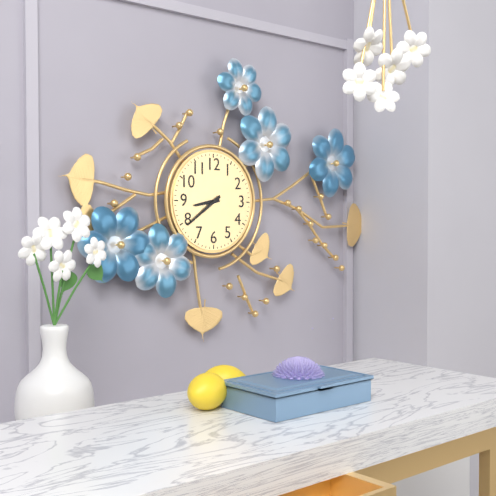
8:39
